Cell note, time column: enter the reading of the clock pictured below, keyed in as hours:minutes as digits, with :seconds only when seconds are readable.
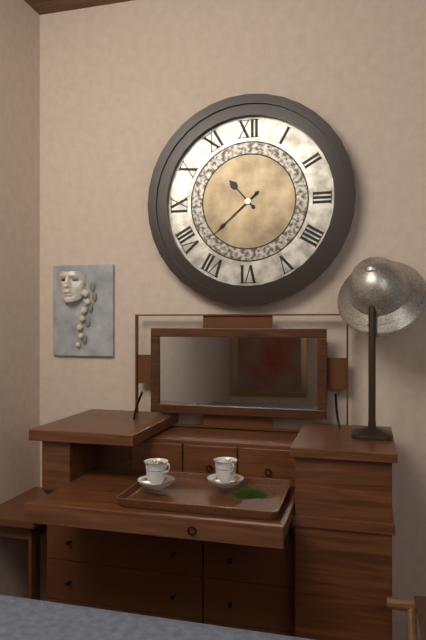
10:38
